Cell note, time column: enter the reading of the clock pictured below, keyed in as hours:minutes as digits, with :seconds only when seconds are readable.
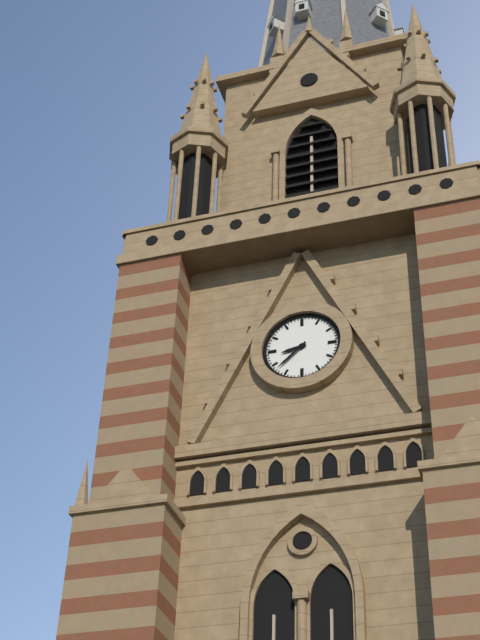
8:38
